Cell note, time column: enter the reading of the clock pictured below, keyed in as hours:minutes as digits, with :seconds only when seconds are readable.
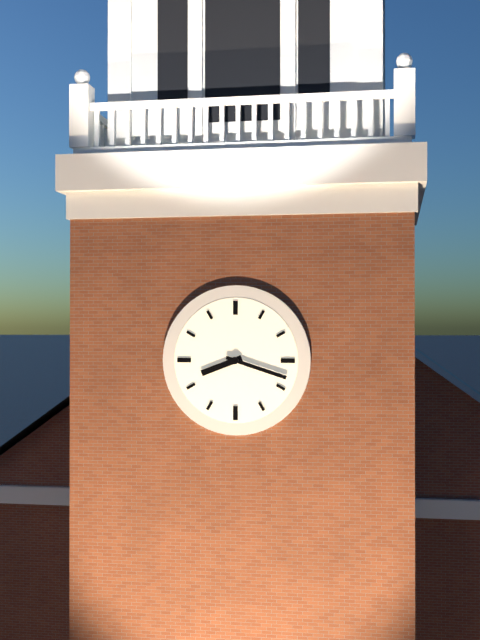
8:18
